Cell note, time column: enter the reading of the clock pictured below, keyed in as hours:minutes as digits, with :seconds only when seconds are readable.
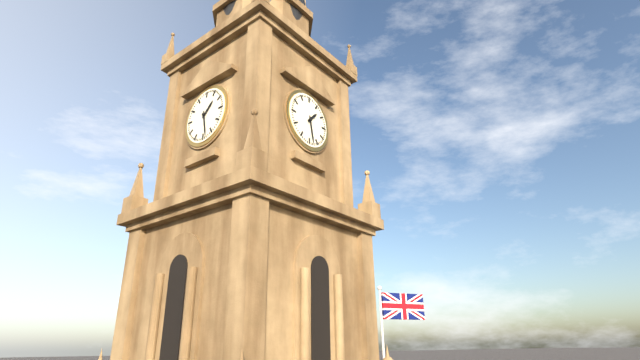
1:28
